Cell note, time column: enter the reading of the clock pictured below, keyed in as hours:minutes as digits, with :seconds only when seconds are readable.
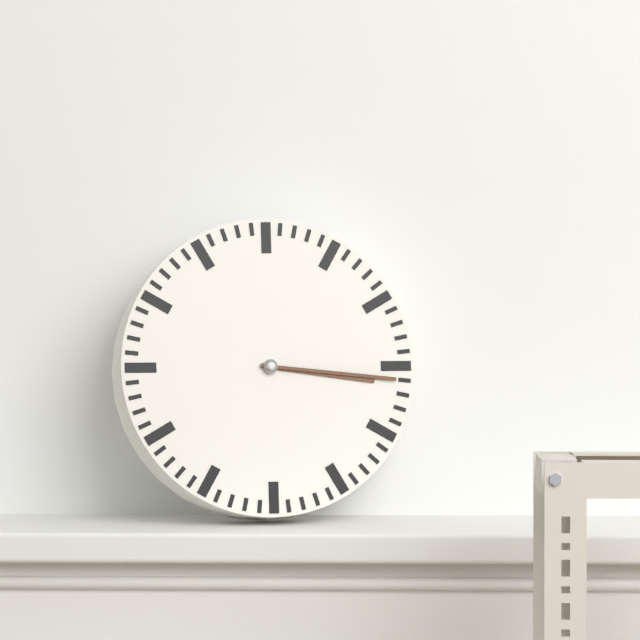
3:16
